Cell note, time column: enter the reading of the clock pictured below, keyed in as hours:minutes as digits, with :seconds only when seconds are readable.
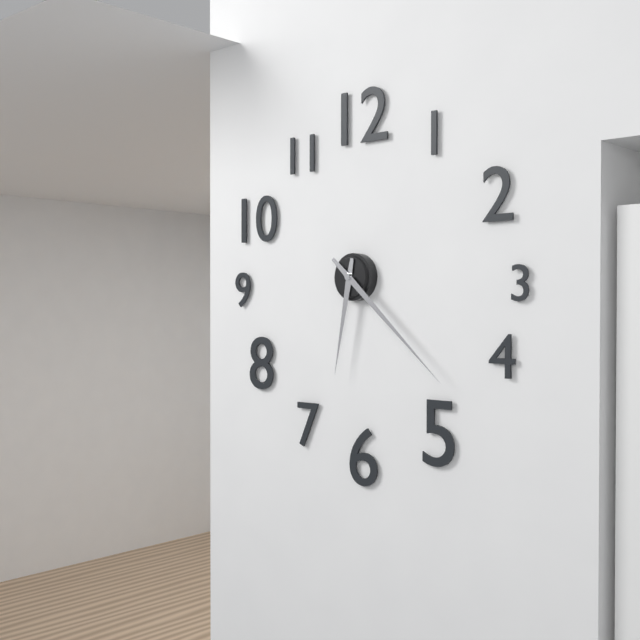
6:22
